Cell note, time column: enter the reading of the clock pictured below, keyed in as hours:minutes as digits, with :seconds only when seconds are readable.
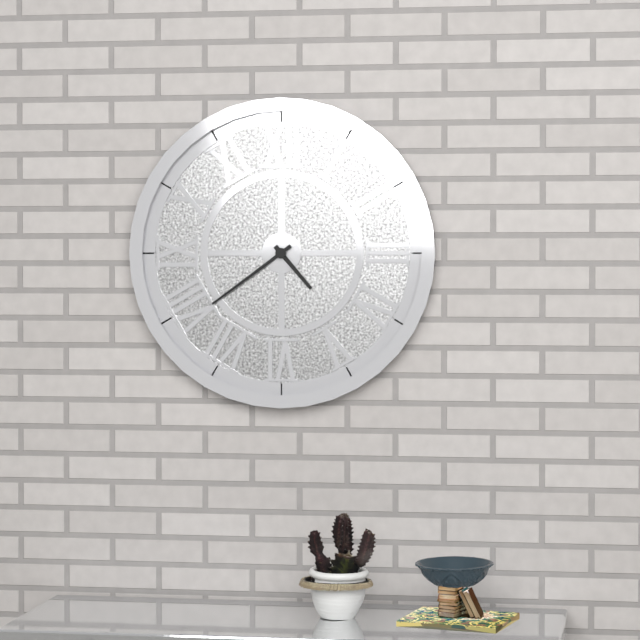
4:39
